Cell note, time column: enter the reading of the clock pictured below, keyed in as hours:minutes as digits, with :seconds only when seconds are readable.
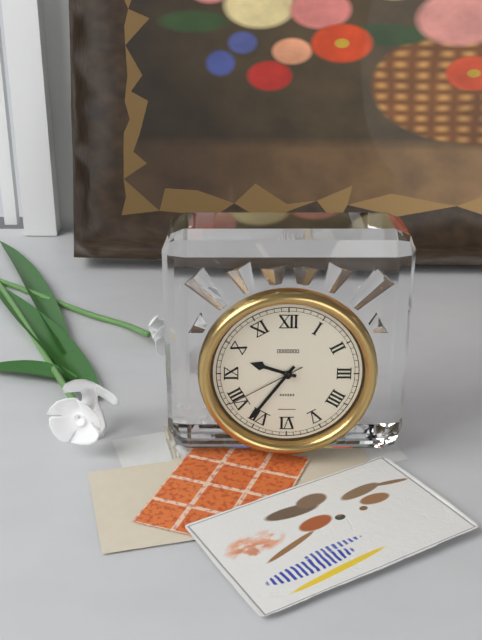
9:36:40
